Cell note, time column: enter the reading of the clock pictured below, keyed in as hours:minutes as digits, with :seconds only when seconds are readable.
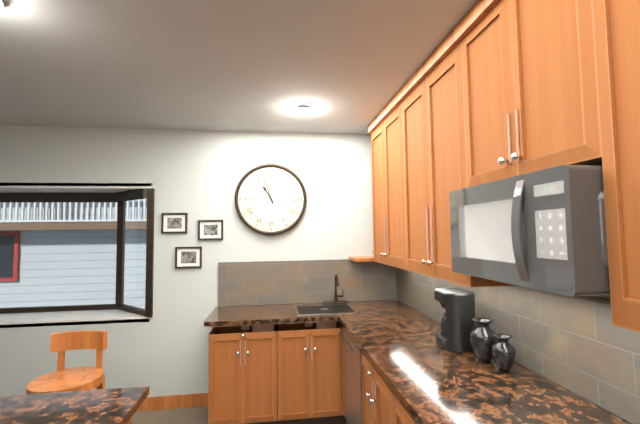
10:57
